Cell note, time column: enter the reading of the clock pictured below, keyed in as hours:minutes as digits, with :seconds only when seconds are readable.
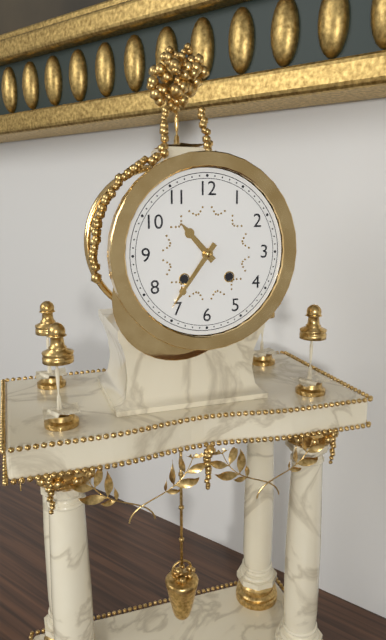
10:36
